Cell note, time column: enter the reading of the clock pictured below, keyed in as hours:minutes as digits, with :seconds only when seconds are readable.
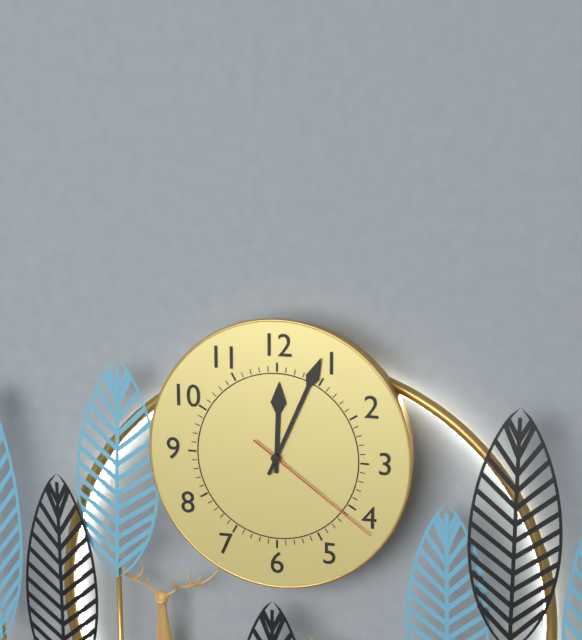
12:04:21
